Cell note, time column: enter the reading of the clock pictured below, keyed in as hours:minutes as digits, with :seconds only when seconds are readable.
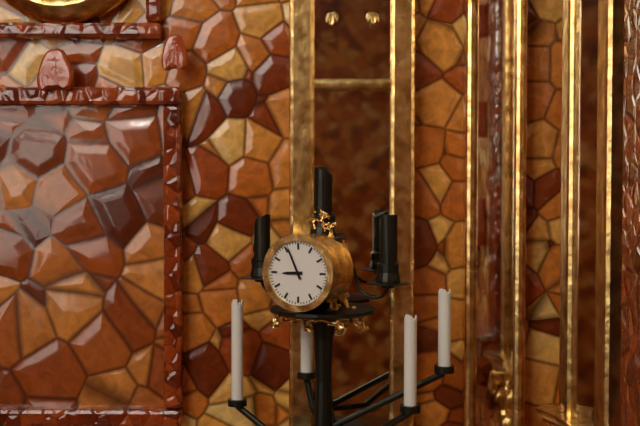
8:56
